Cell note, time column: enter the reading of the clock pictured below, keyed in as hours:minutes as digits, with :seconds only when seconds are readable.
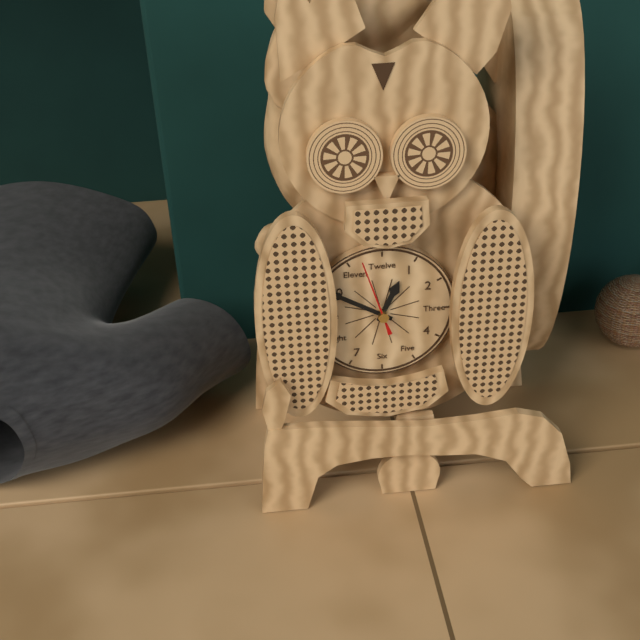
12:50:57
